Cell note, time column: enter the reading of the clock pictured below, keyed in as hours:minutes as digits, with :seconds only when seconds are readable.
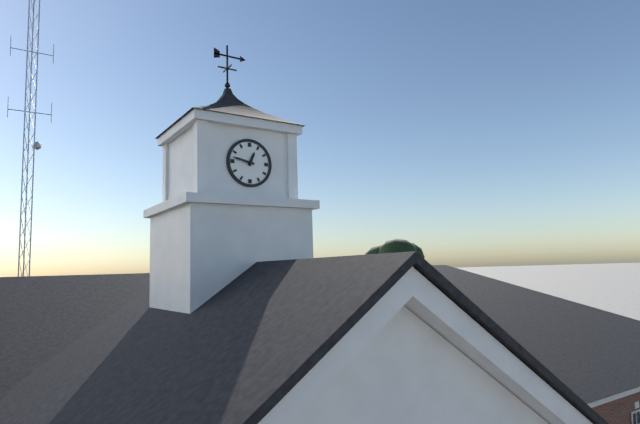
12:47
